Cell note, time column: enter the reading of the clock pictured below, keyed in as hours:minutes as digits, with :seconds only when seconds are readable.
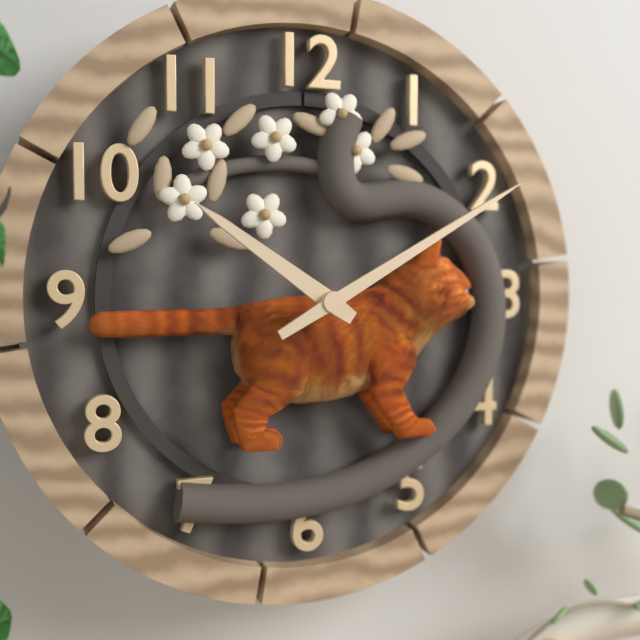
10:10
